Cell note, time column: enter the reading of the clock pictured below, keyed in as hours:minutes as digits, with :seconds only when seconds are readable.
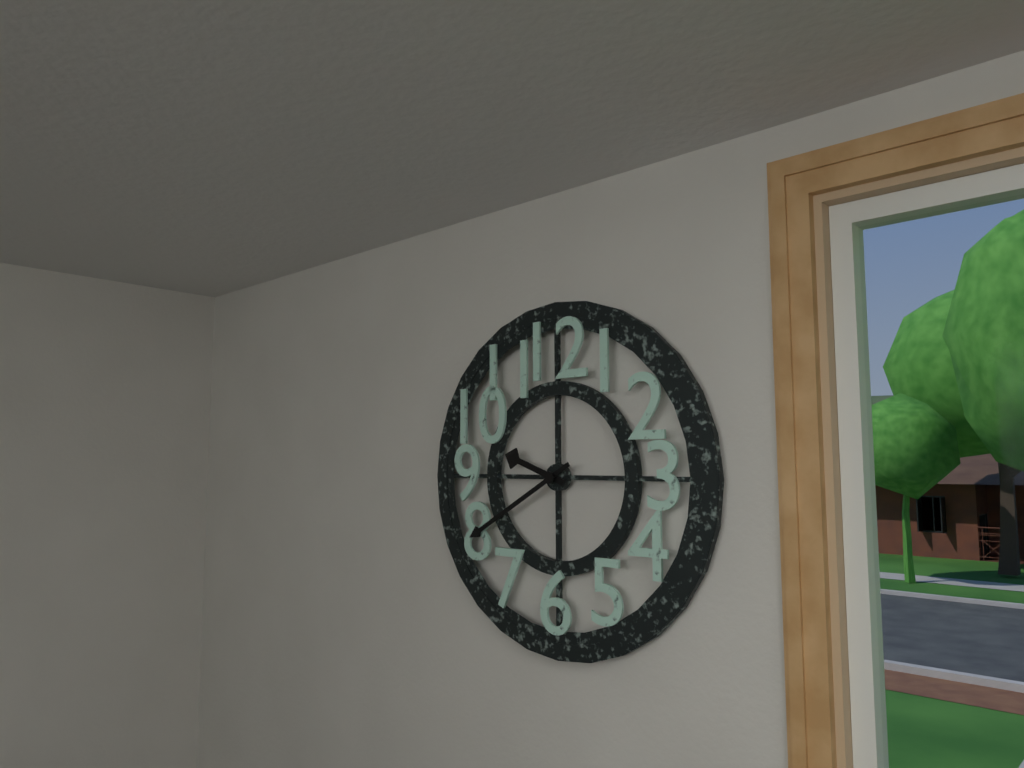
9:40
